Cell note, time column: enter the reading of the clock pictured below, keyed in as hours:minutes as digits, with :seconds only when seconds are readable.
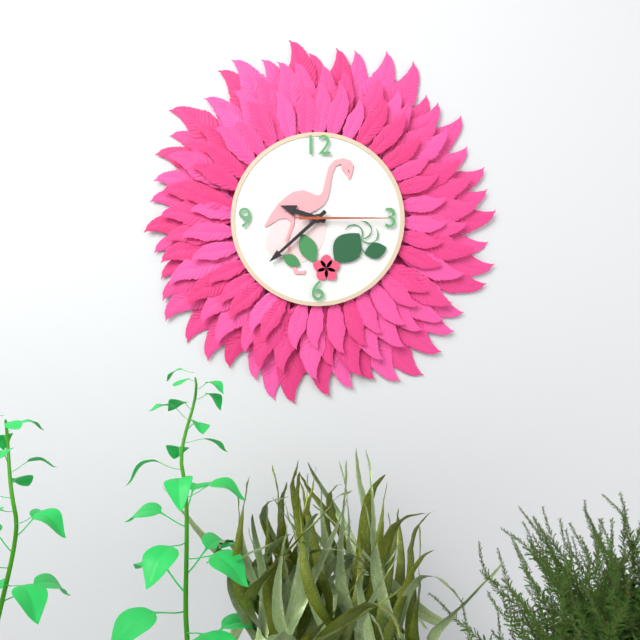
9:38:15
